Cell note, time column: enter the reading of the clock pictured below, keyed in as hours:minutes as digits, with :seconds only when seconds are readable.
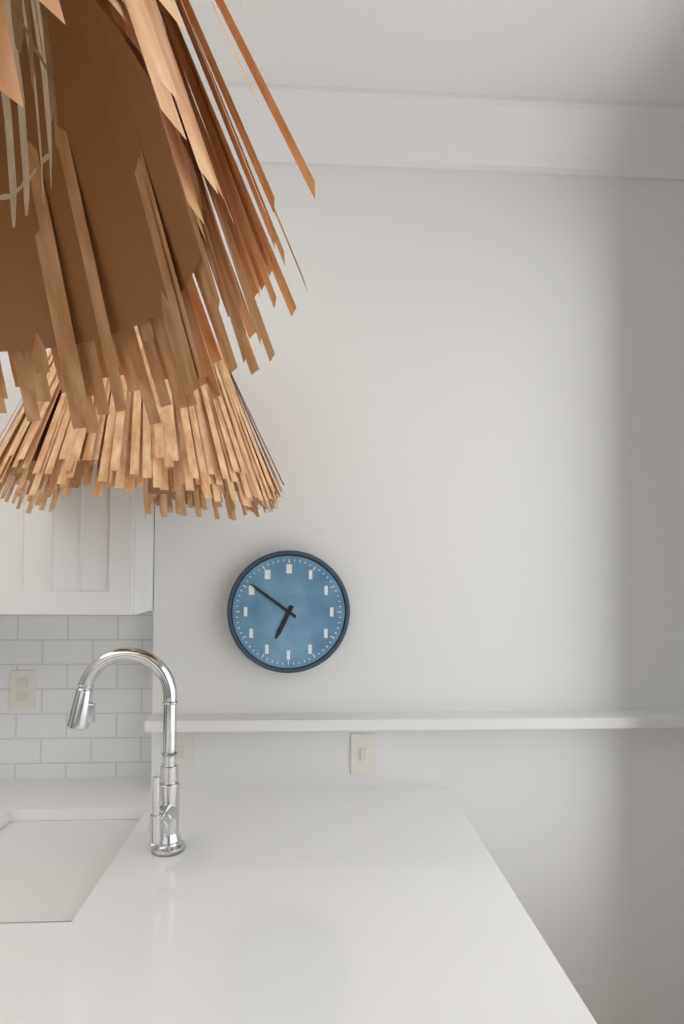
6:51
